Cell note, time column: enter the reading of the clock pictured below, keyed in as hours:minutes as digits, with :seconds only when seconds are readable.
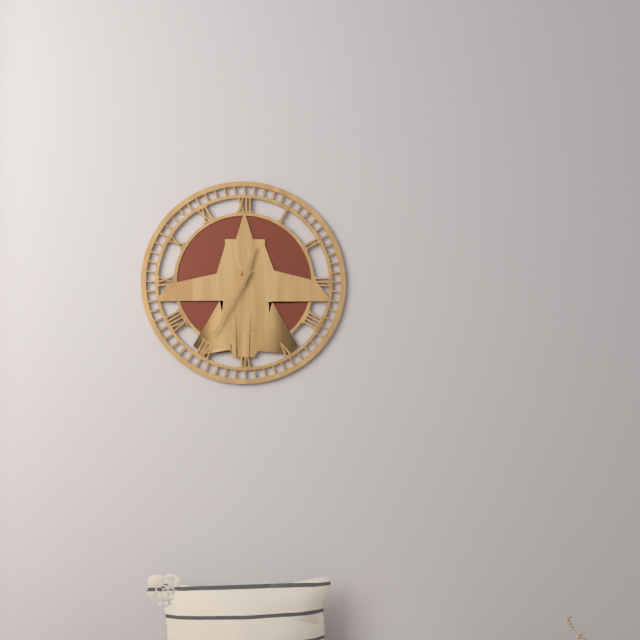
12:35
